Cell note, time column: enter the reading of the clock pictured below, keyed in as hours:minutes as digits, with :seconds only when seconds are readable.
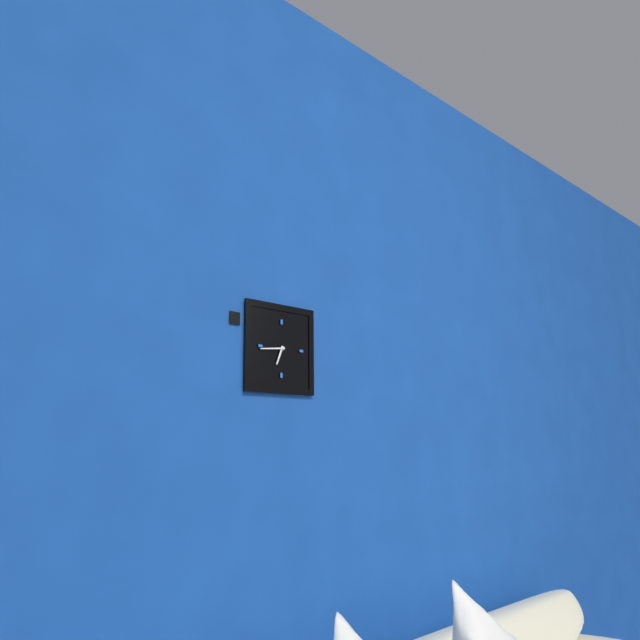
6:44
